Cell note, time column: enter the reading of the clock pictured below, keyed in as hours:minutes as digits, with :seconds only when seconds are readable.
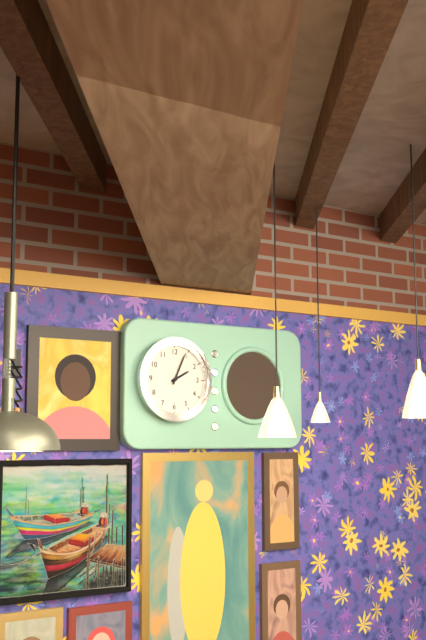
2:04
